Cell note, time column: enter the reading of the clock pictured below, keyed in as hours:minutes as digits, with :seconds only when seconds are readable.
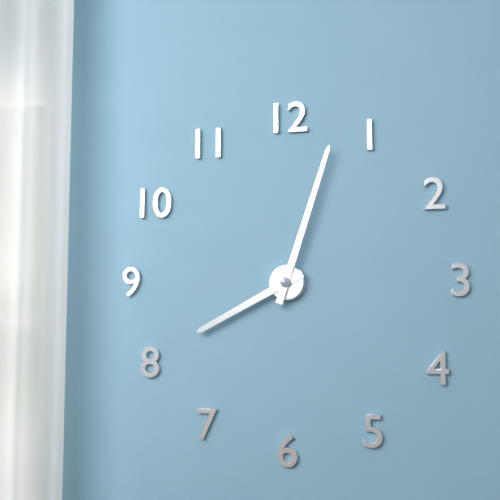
8:03
